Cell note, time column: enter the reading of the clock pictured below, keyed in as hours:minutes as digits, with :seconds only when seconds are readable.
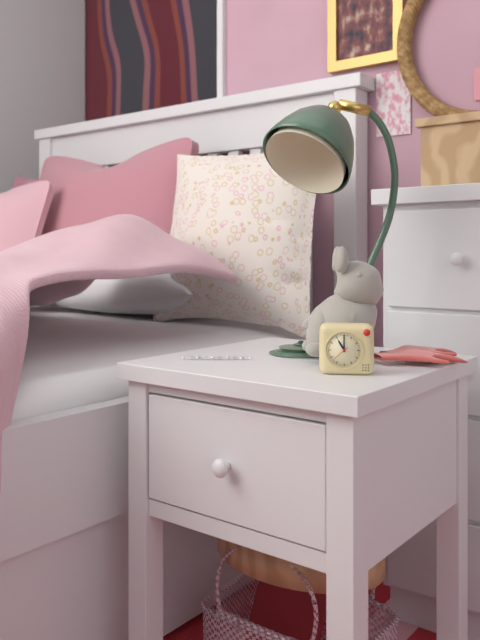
11:00
